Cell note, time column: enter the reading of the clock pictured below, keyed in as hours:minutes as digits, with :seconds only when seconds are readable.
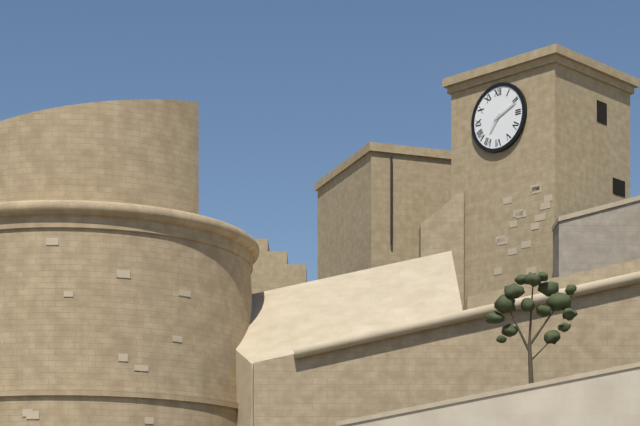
7:11
